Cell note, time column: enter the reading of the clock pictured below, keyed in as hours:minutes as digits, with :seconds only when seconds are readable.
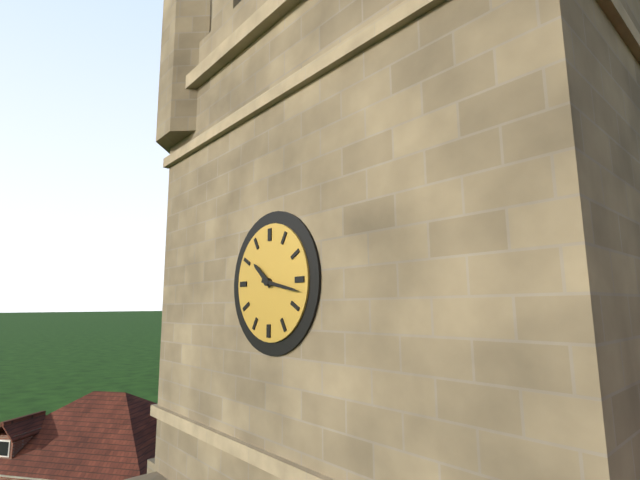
10:17
